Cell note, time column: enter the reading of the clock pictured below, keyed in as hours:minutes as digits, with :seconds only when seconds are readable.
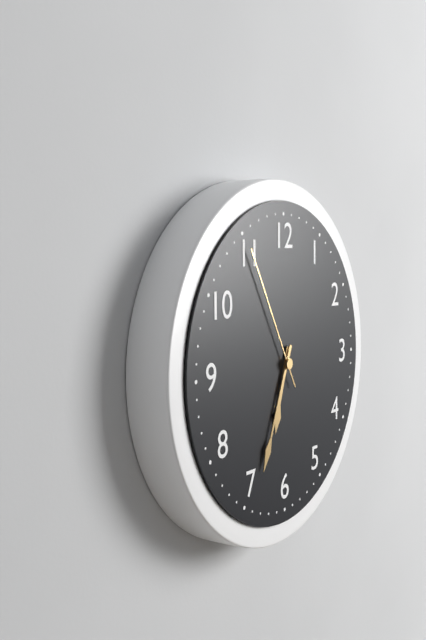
6:34:55
